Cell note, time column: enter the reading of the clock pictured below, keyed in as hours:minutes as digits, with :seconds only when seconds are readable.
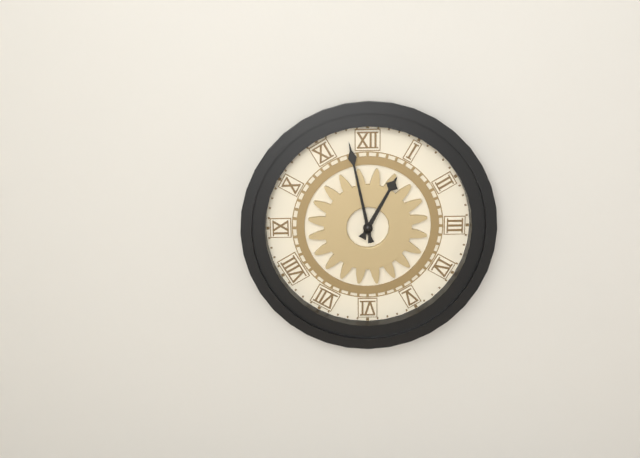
12:58
